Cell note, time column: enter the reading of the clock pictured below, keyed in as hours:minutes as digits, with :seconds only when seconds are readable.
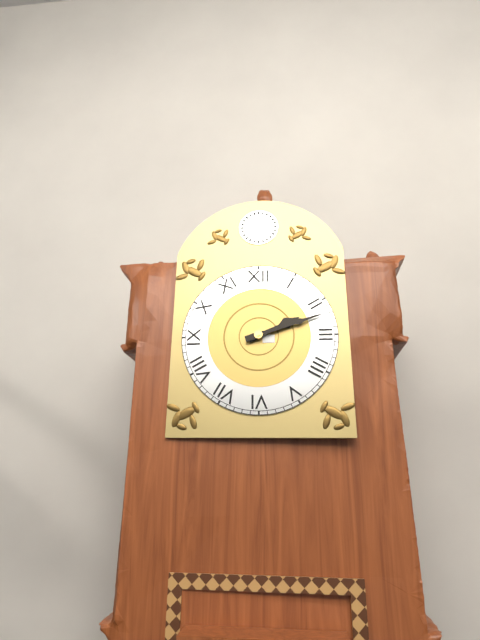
2:12
